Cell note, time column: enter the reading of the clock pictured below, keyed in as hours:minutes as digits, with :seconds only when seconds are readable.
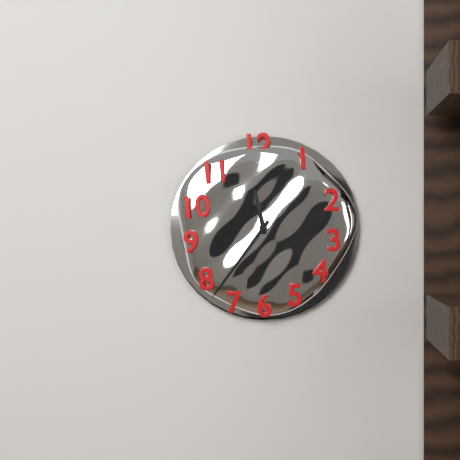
11:36
